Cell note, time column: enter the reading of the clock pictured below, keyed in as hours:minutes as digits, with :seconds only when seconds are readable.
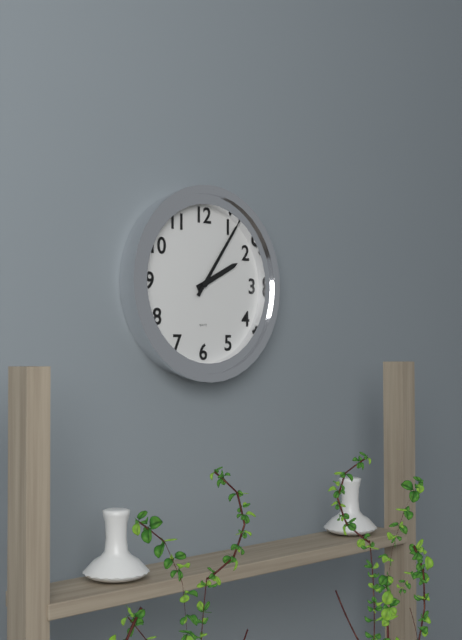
2:06
